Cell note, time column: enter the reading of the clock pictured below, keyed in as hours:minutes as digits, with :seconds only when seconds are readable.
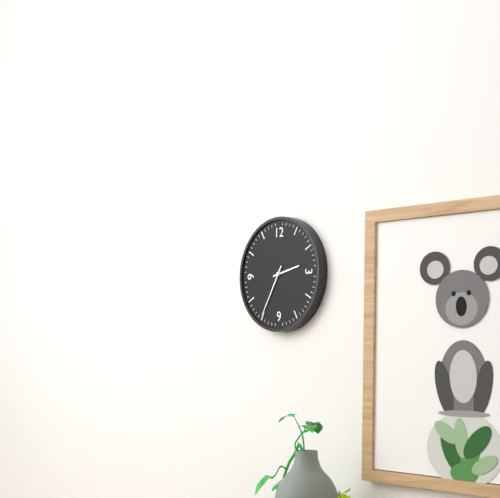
2:35
